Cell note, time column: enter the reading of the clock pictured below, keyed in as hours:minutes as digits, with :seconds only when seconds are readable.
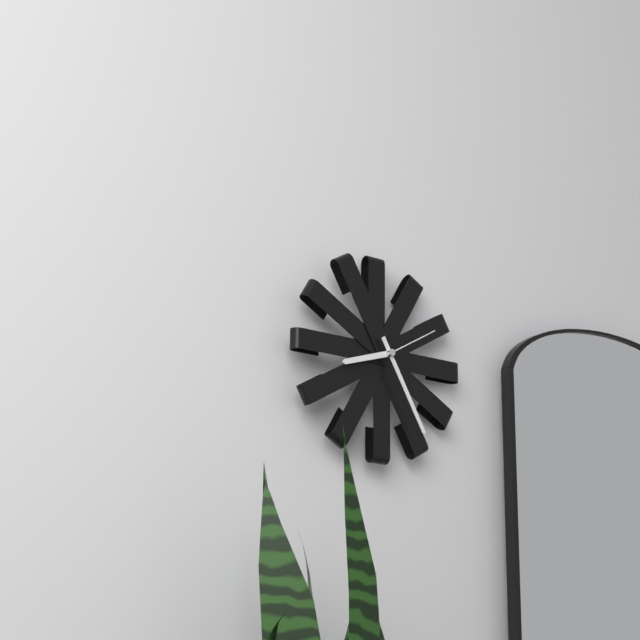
8:25:10
